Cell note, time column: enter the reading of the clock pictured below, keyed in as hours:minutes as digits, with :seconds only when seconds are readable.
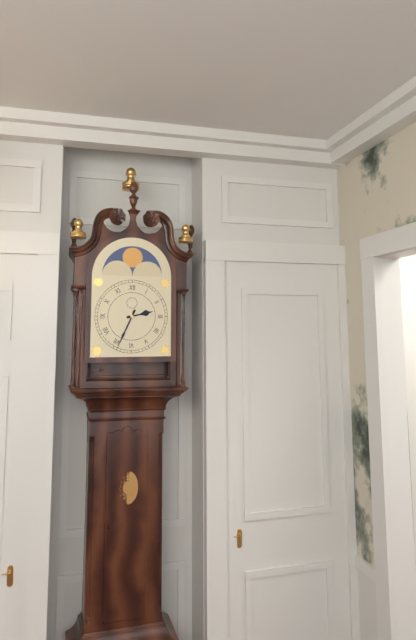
2:34
